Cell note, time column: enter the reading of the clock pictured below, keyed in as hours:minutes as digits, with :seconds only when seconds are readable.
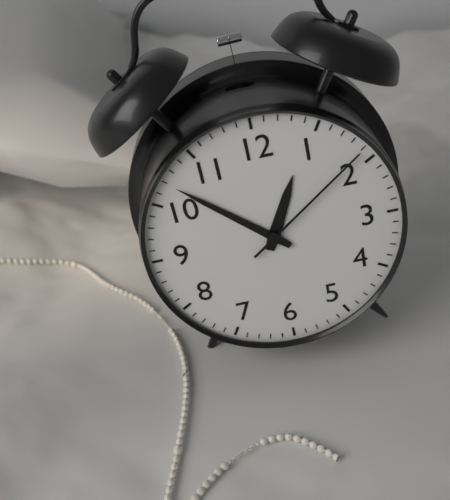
12:52:09
